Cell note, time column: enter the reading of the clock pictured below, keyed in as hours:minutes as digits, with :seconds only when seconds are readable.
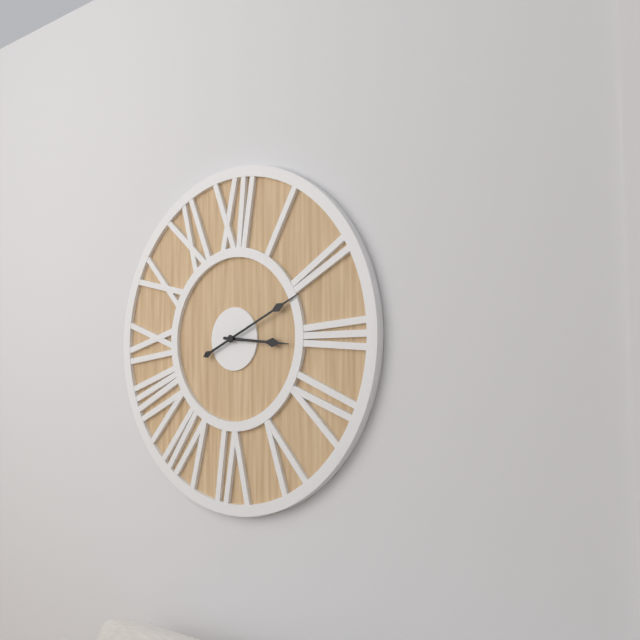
3:11
